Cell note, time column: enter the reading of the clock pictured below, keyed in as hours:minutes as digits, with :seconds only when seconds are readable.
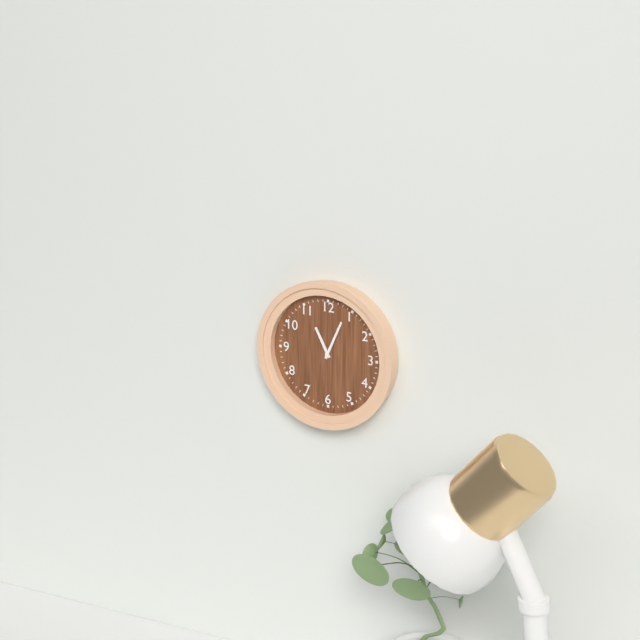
11:04
